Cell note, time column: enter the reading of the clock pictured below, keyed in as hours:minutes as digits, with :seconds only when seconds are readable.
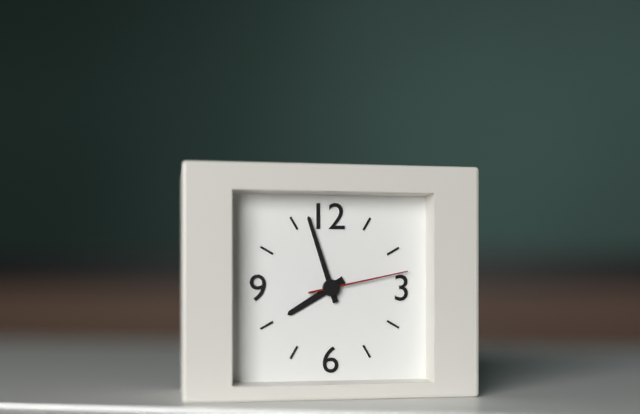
7:57:13
